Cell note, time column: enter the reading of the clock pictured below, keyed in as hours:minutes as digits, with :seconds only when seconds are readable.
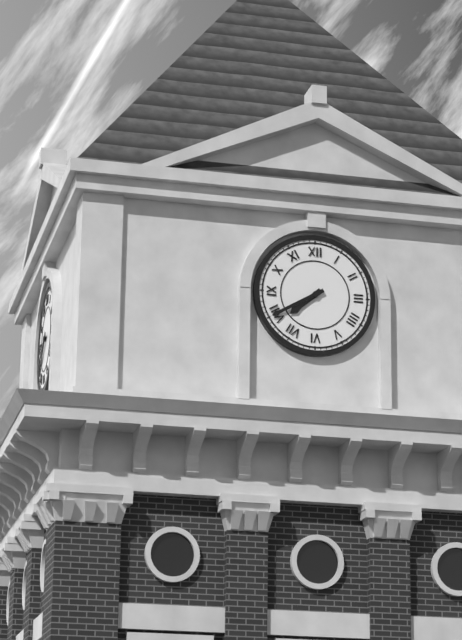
7:40
